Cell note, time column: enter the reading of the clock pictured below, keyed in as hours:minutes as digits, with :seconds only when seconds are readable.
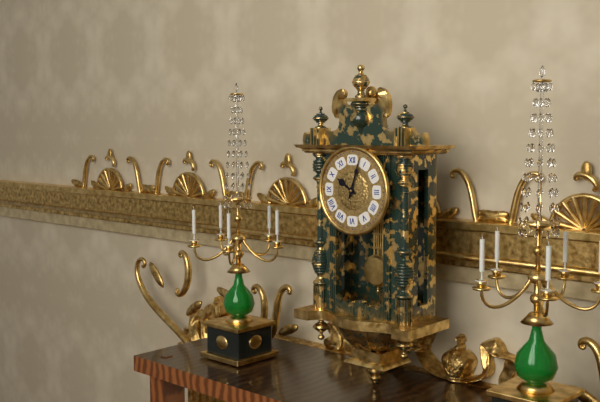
10:03
